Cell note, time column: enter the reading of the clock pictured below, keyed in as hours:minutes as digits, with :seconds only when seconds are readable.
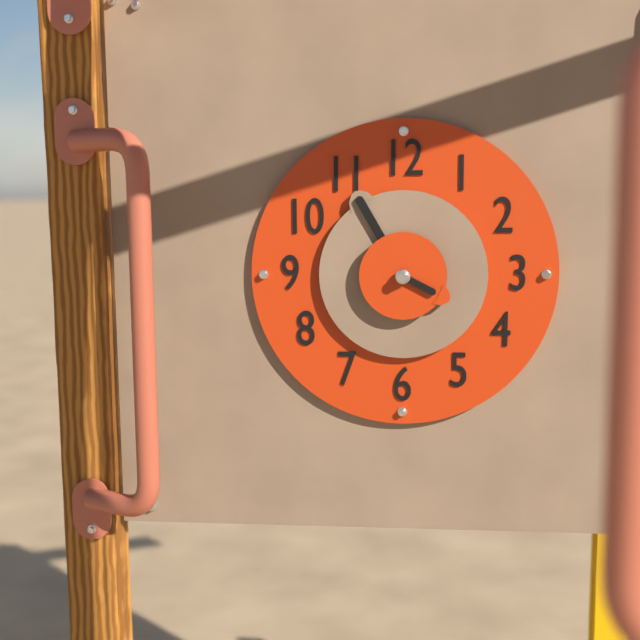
3:55
